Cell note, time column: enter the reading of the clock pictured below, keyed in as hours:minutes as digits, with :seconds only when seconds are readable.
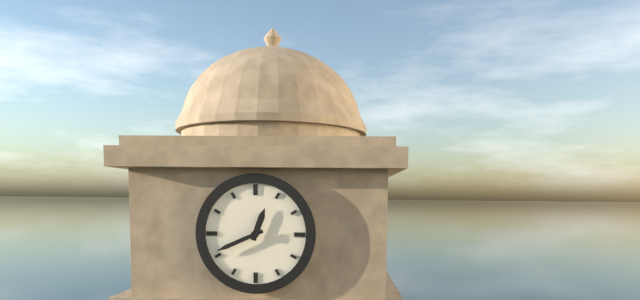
12:41
